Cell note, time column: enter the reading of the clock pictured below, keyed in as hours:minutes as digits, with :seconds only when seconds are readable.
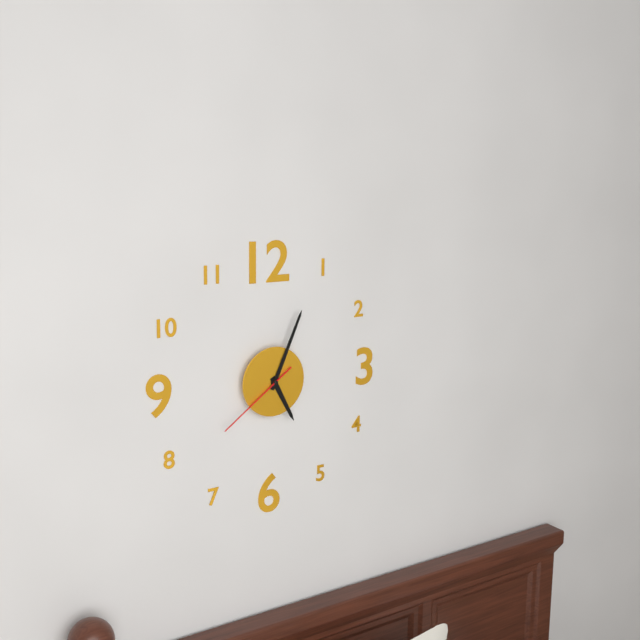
5:04:39
